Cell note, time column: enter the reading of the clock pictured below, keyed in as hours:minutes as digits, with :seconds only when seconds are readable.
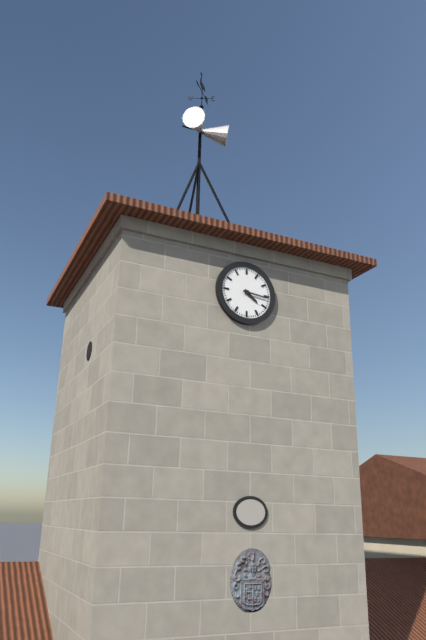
4:16
